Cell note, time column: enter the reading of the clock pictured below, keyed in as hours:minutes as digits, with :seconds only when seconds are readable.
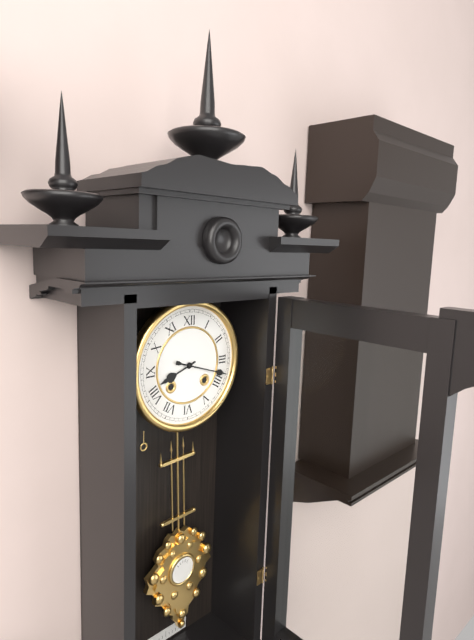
8:18
